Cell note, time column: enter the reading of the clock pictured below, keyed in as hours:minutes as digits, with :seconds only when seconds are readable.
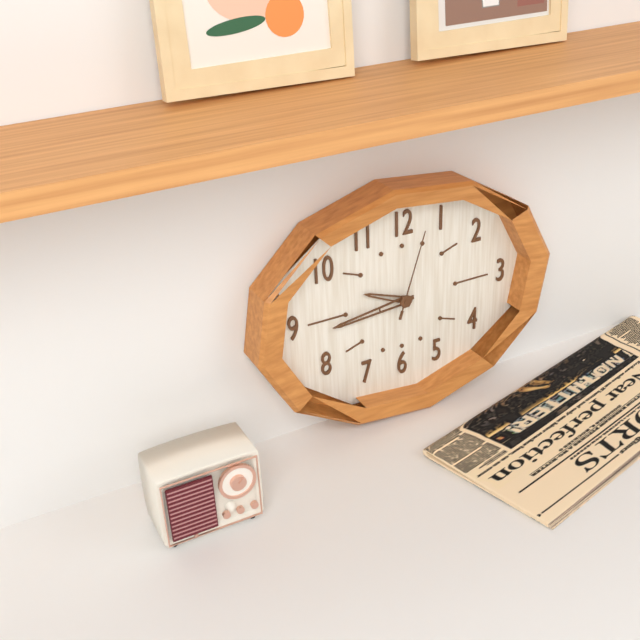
9:44:03
